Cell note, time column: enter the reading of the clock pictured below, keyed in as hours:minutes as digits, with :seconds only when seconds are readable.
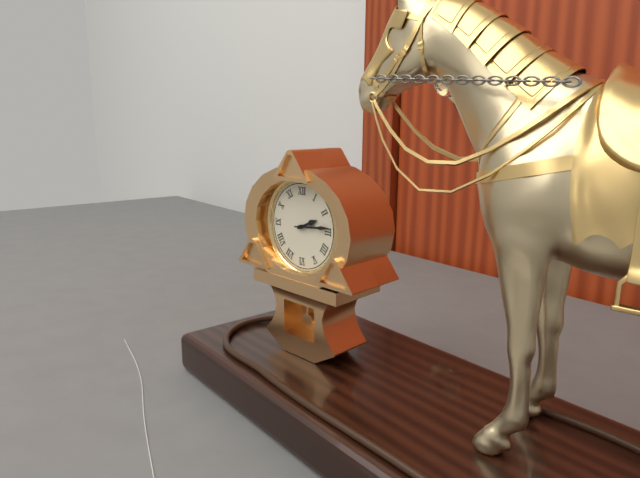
2:14
